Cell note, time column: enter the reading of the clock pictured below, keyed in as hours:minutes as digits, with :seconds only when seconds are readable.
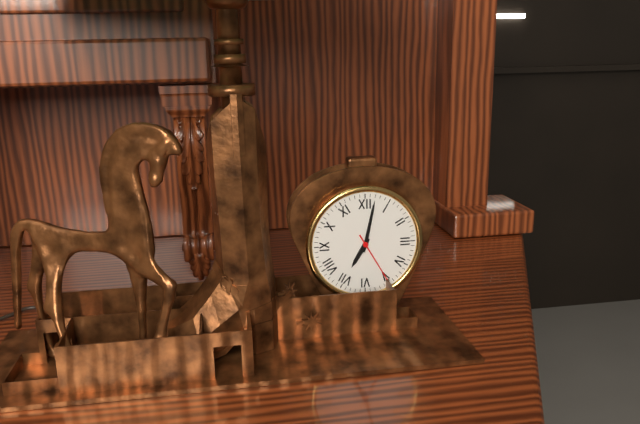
7:02:25
